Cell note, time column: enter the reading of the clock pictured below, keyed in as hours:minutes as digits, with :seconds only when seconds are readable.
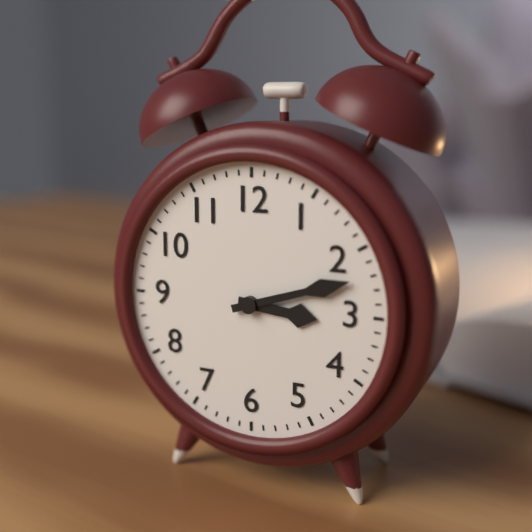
3:12
